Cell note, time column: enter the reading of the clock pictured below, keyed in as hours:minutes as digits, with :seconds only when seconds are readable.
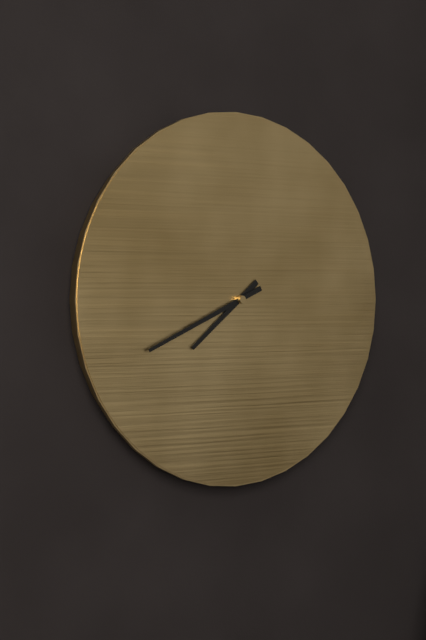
7:41
